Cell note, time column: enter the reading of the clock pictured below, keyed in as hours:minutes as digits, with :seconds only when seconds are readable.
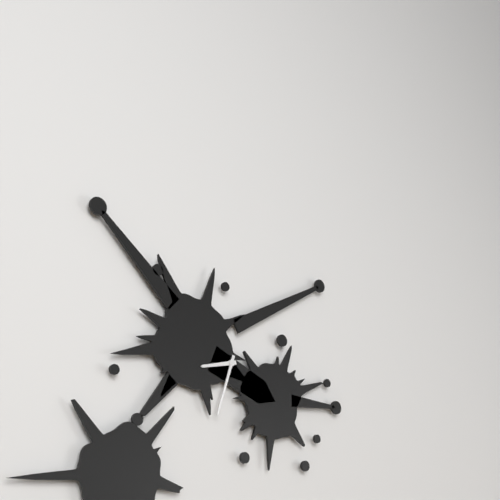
8:33
